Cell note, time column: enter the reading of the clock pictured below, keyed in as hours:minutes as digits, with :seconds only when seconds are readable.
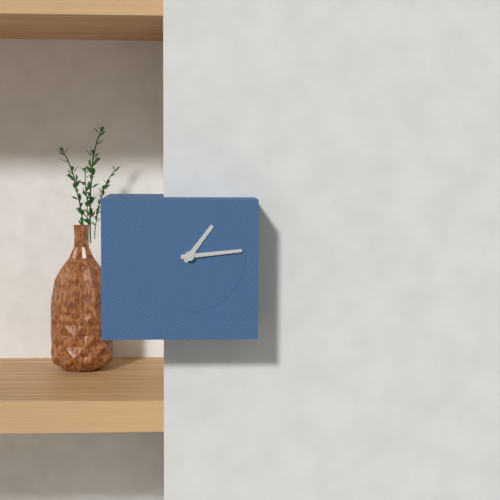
1:14
